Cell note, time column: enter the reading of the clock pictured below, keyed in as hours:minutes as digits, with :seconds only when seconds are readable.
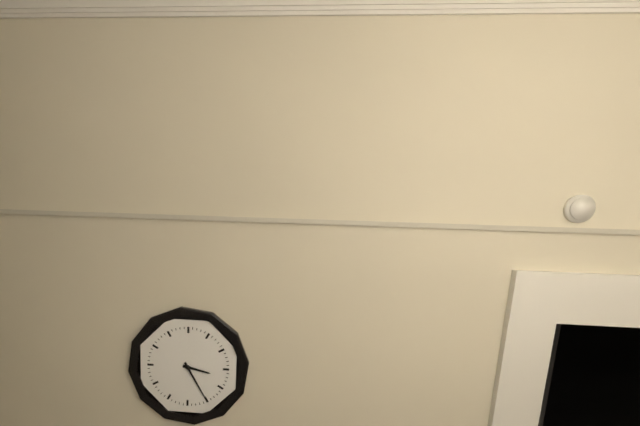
3:25
